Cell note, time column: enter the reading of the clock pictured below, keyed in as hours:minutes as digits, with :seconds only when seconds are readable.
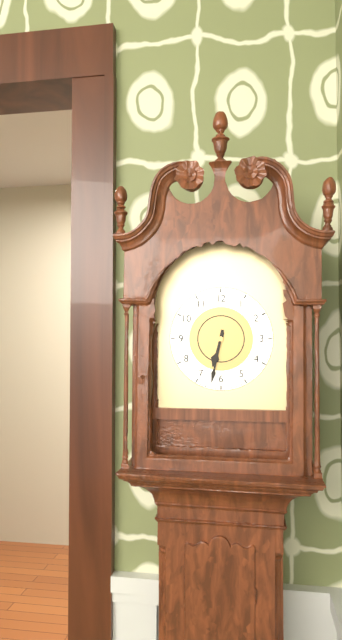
6:32
